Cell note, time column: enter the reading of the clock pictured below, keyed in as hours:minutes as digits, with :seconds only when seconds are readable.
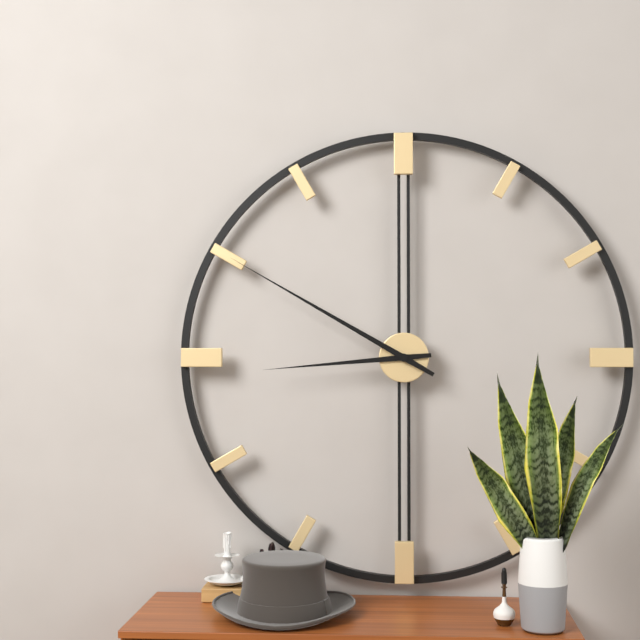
8:50
